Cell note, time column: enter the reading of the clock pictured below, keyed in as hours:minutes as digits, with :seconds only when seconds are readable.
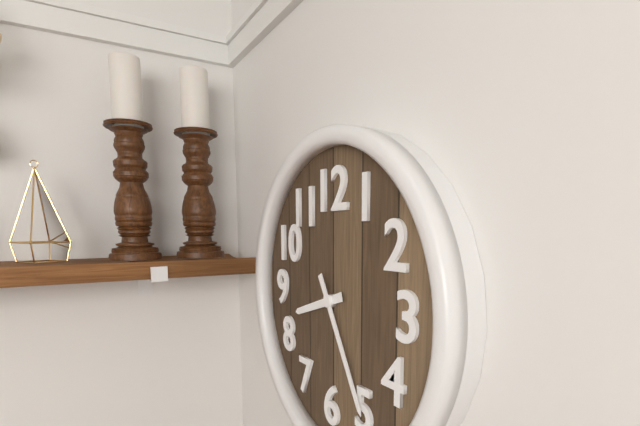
8:25
